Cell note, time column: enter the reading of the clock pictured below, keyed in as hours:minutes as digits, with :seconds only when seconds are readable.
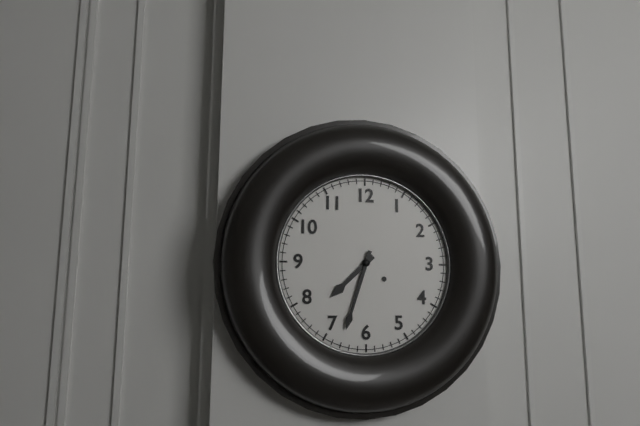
7:33
